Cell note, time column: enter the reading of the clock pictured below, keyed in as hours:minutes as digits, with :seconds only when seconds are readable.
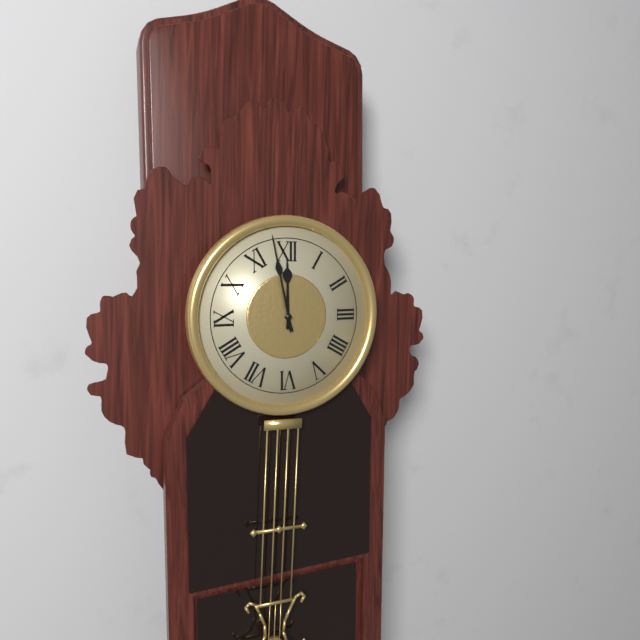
11:58
